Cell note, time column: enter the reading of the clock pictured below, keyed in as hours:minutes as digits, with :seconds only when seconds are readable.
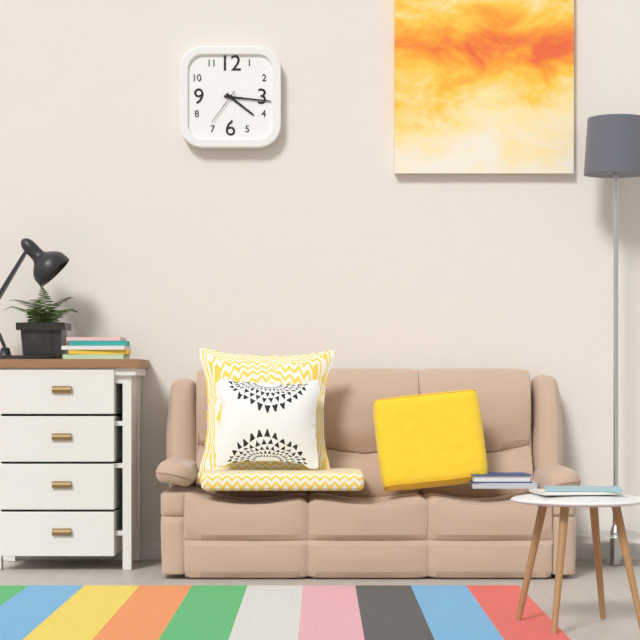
4:16
